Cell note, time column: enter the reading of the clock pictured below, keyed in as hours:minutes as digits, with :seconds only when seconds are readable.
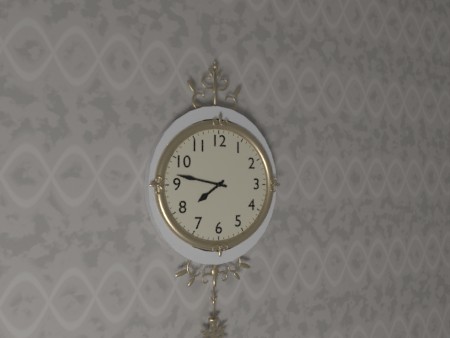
7:47
